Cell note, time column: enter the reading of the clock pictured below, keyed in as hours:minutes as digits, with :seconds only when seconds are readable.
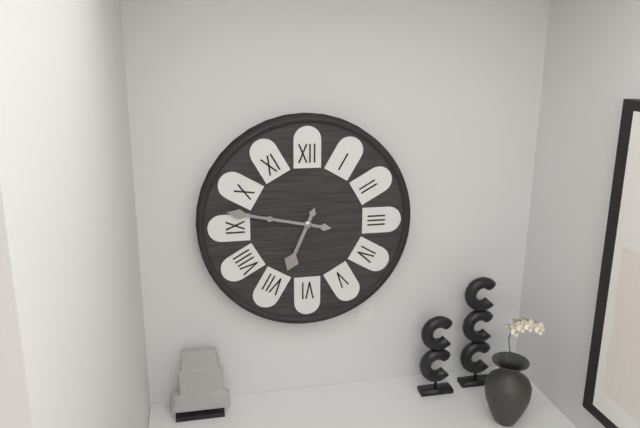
6:47
